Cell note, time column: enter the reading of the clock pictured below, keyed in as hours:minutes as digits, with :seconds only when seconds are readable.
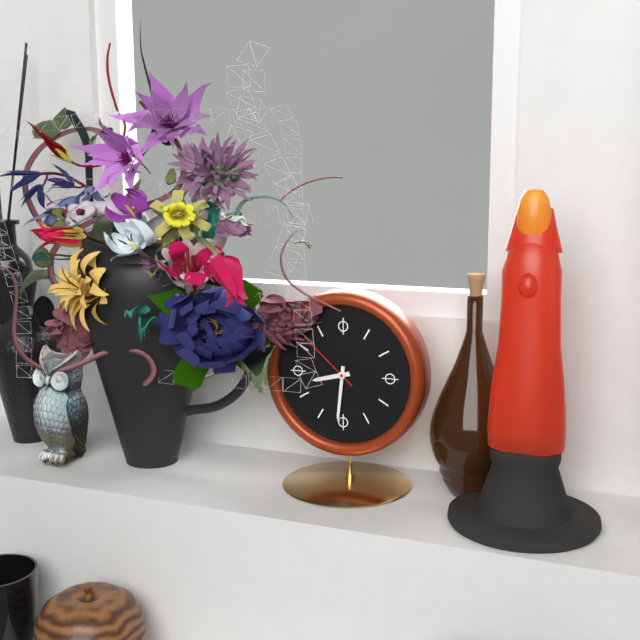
8:31:52
